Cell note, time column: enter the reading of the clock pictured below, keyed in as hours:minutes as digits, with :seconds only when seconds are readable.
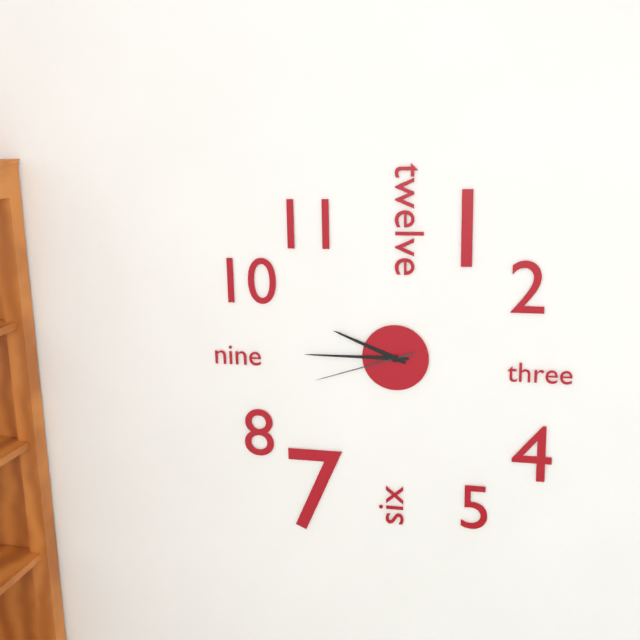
9:45:42
